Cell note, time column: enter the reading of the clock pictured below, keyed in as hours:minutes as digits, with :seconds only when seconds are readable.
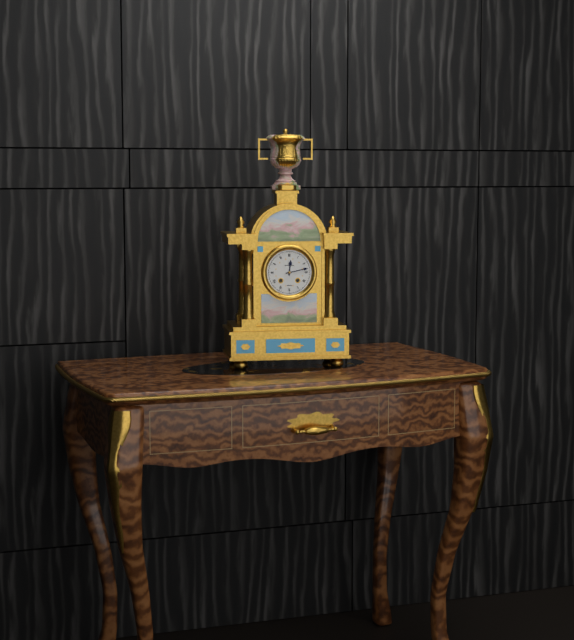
12:13
